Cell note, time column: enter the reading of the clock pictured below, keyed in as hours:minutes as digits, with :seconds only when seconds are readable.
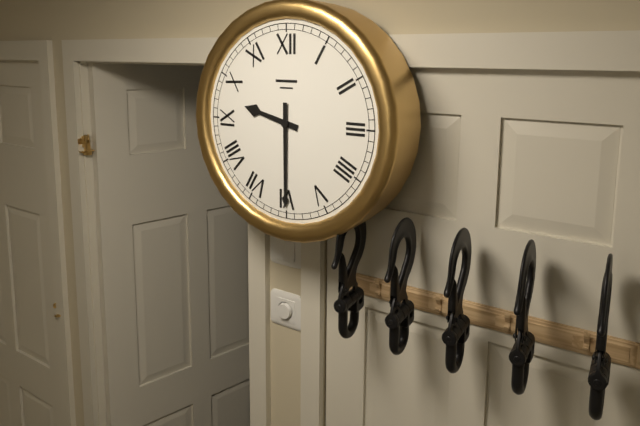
9:30
